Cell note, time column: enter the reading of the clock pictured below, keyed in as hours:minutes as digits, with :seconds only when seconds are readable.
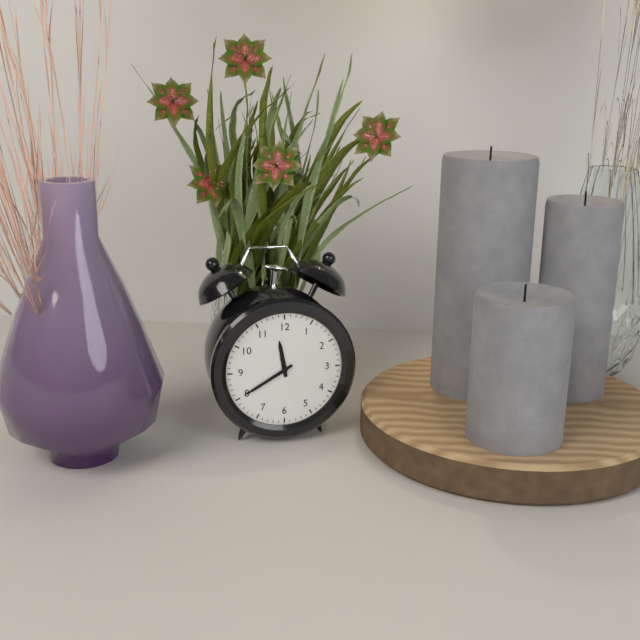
11:40
